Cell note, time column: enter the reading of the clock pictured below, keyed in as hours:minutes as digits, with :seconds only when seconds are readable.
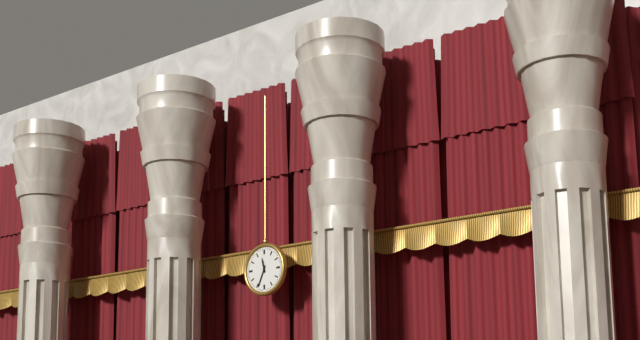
11:34
